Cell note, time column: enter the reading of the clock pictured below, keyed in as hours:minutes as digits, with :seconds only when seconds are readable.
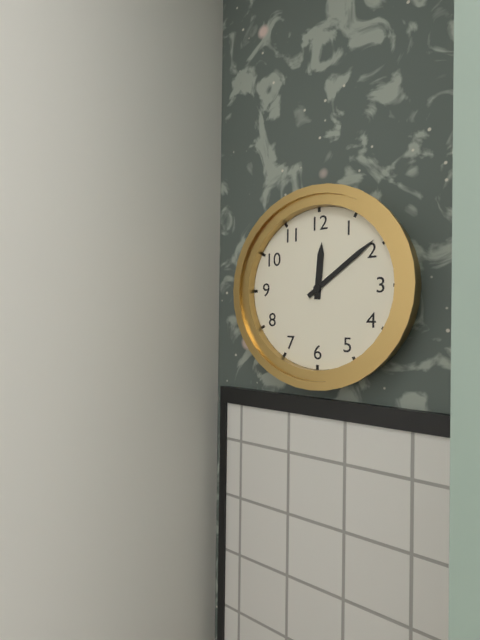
12:09
